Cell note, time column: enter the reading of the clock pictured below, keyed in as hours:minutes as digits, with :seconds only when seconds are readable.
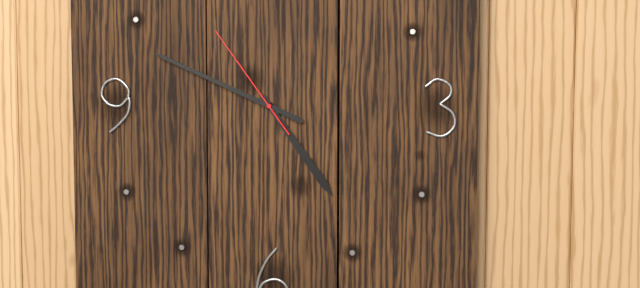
4:49:54
